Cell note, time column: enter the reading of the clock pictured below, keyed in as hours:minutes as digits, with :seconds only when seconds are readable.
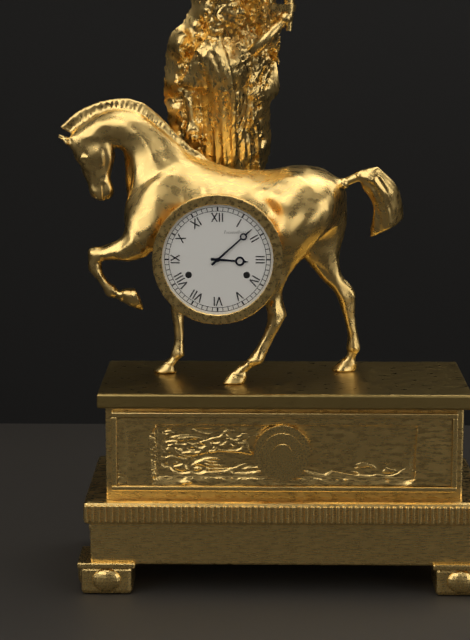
3:08
